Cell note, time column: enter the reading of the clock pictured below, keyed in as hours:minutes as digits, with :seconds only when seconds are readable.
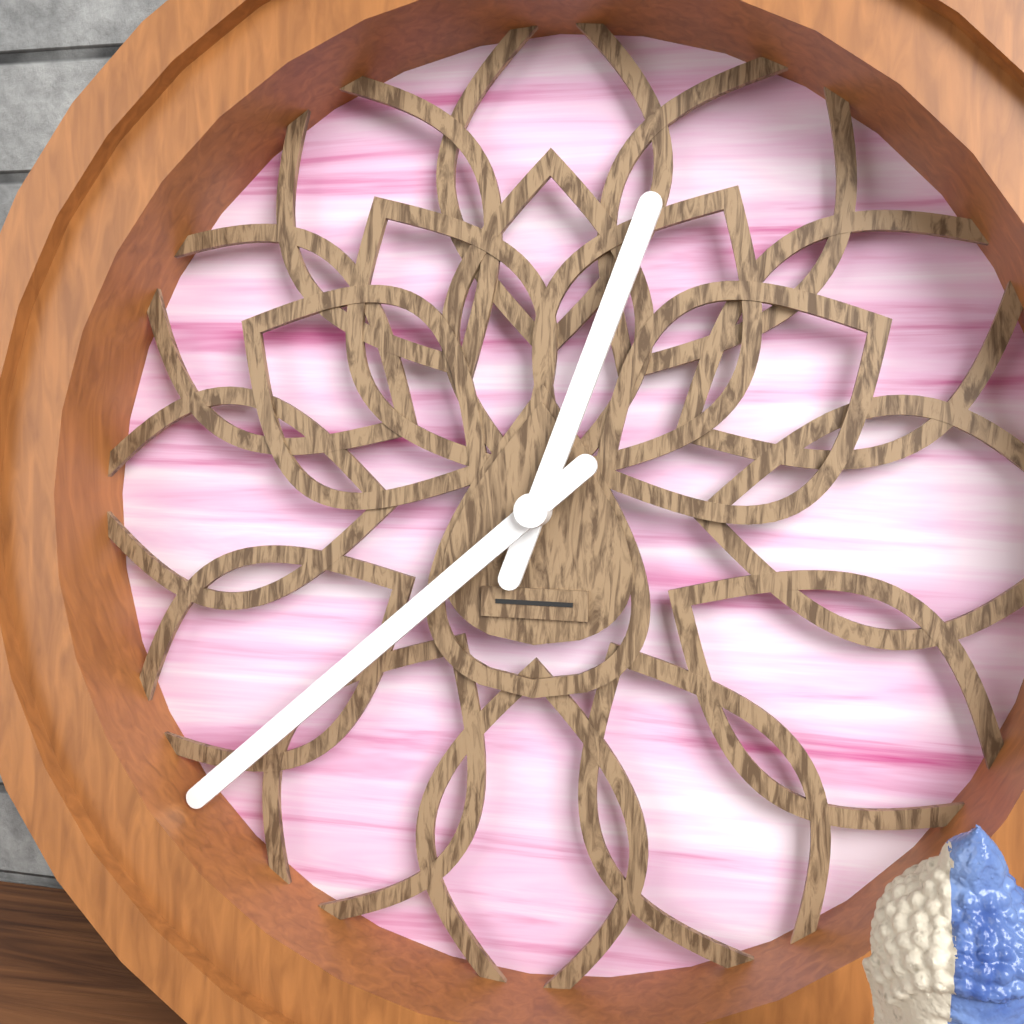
12:38
